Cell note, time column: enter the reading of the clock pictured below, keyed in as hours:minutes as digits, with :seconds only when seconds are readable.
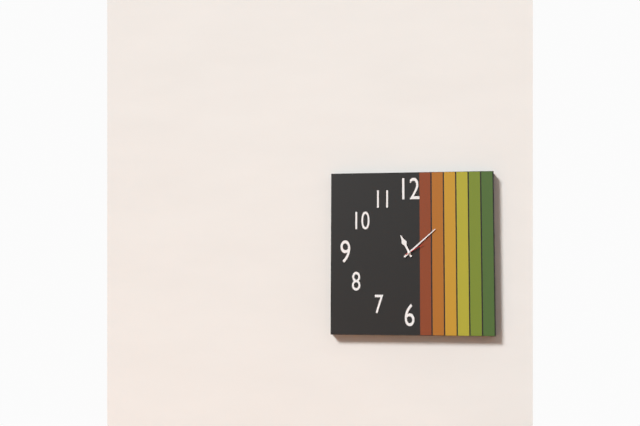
11:08
